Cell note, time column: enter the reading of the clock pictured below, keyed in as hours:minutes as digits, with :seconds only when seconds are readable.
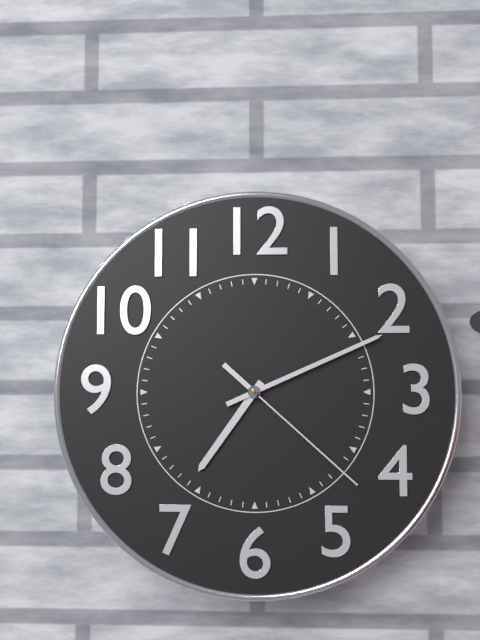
7:11:22
